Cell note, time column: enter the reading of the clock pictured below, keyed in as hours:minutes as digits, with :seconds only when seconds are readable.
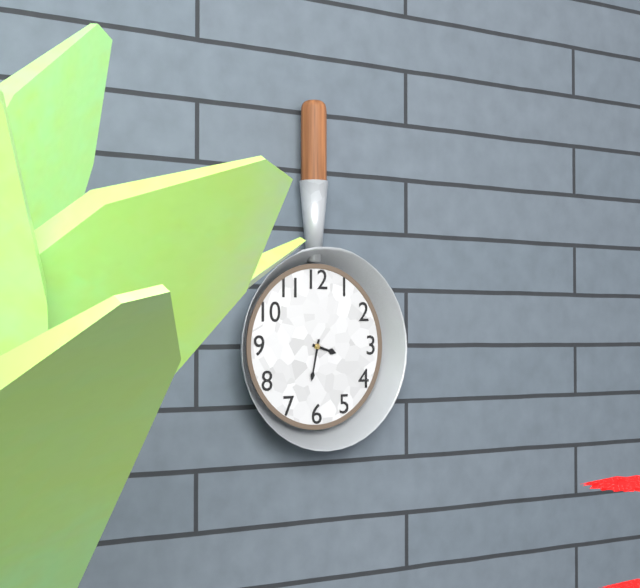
3:32
